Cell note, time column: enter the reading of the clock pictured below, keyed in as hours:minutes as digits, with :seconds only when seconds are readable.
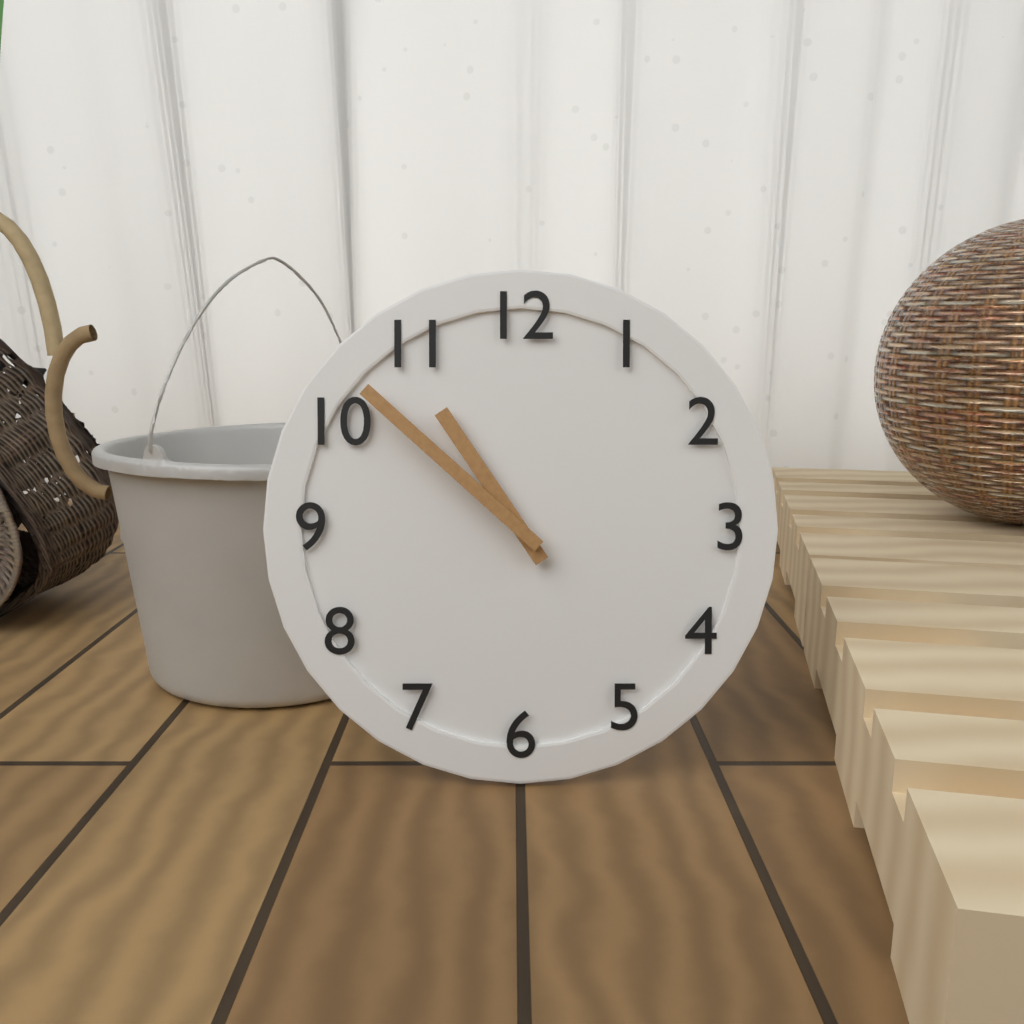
10:52
